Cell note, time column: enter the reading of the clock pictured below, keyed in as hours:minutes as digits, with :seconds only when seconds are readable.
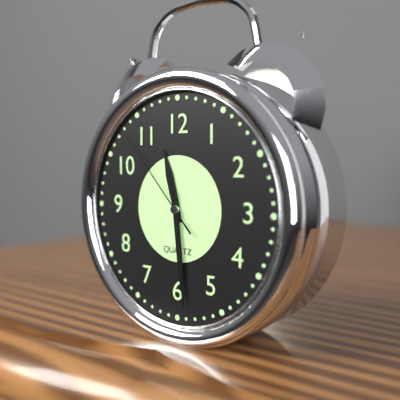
11:29:53
